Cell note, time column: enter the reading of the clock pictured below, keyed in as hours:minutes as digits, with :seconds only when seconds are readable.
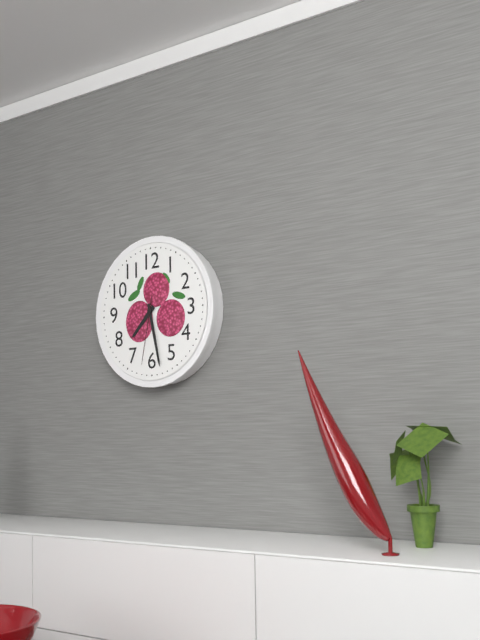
7:28:32
